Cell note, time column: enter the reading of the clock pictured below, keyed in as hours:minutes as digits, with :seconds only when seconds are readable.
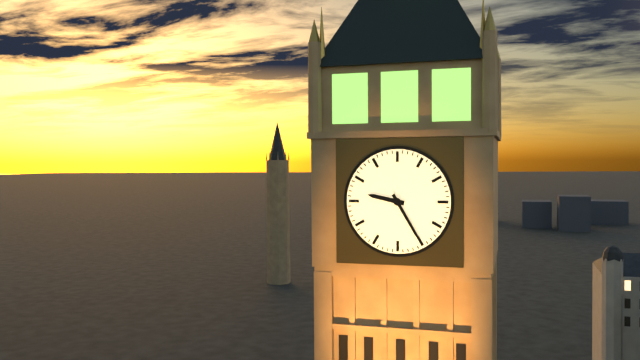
9:25
